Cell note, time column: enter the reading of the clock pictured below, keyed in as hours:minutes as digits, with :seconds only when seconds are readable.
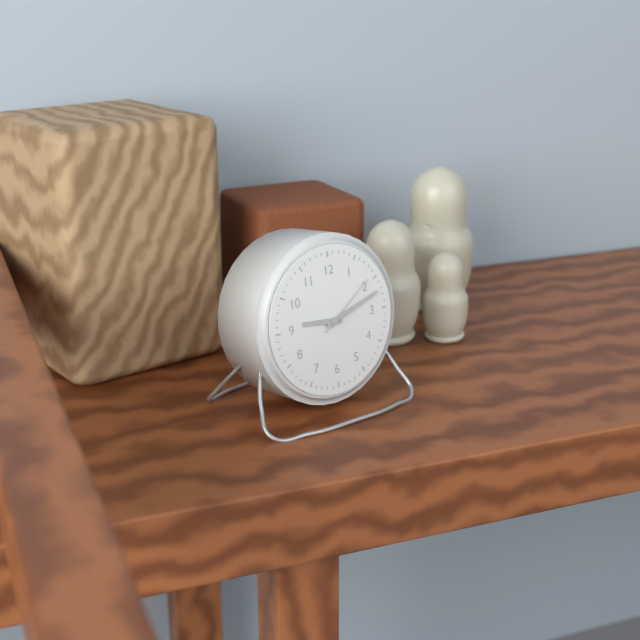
9:12:09
